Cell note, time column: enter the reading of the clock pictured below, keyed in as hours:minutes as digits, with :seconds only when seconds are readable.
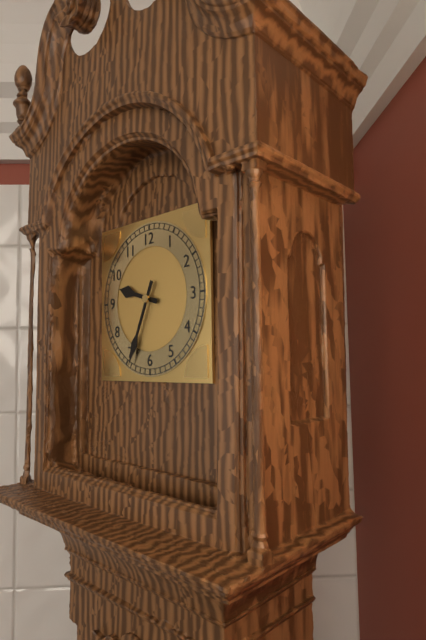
9:34
